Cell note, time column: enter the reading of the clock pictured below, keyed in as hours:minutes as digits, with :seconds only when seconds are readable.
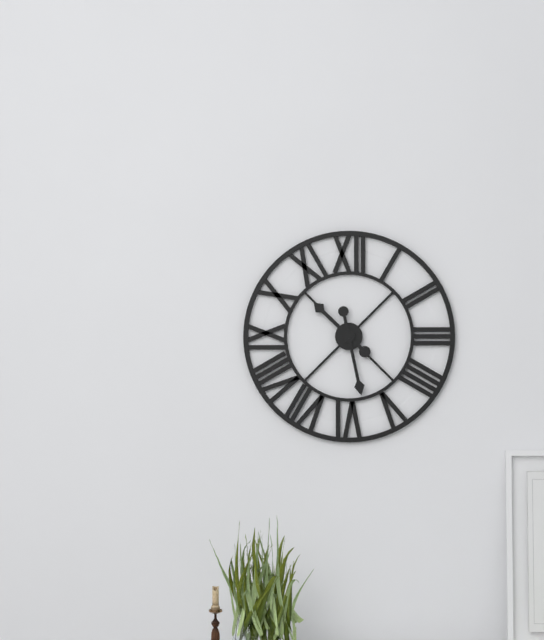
10:28
